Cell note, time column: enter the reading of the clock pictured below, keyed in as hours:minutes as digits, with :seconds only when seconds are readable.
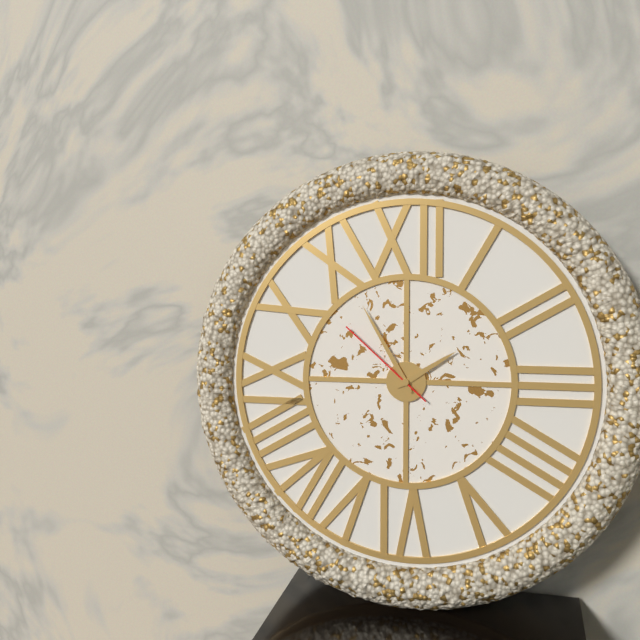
1:55:52
